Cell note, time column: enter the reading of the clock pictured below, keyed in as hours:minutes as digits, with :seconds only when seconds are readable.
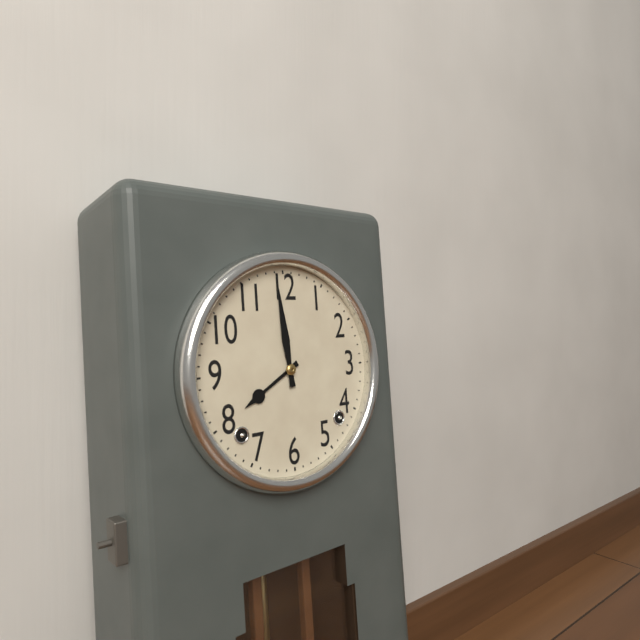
7:59
